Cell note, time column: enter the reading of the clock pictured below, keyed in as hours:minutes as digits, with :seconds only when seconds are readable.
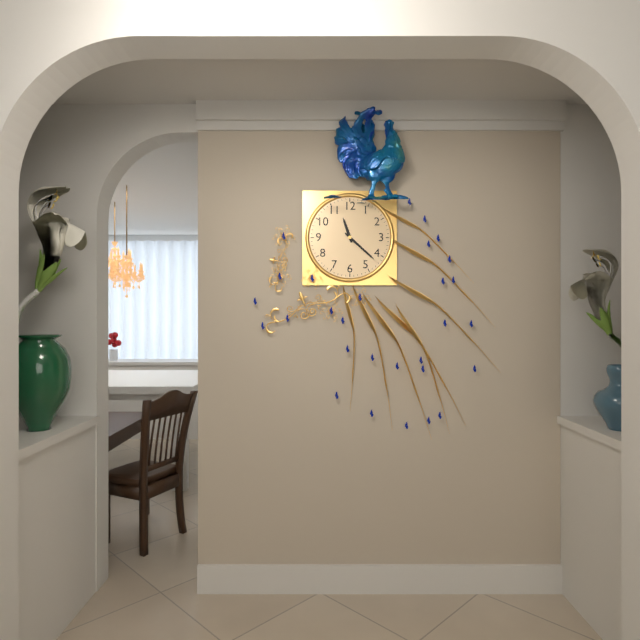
11:22
